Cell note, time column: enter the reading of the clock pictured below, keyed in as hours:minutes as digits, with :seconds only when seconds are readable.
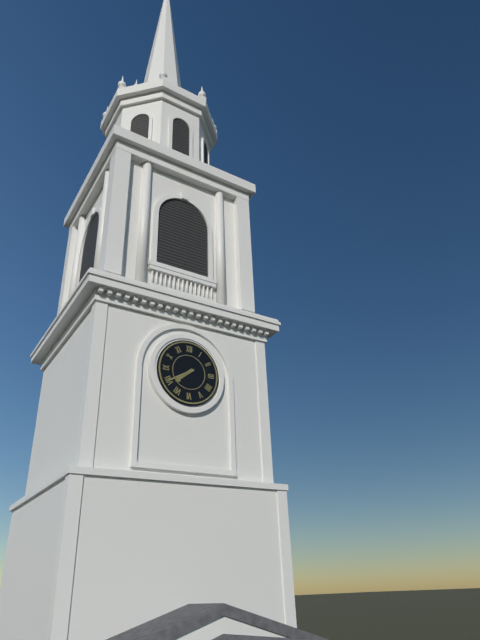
7:40
